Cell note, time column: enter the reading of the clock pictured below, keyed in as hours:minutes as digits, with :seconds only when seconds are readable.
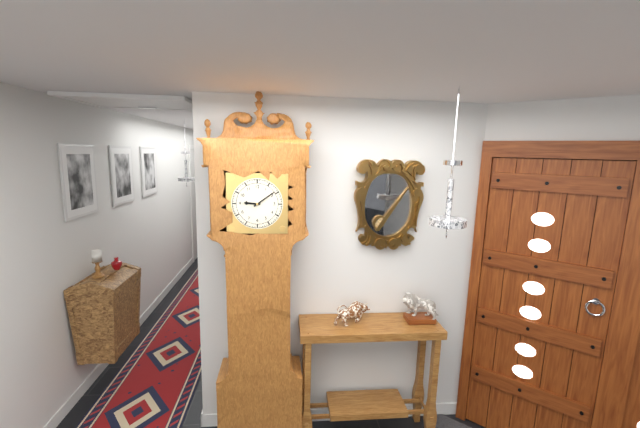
9:09
